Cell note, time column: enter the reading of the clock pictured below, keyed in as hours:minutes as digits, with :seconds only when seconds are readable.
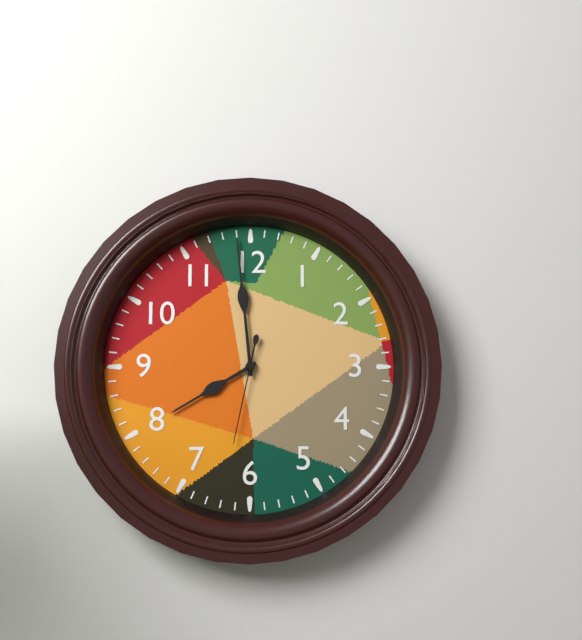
7:59:32
